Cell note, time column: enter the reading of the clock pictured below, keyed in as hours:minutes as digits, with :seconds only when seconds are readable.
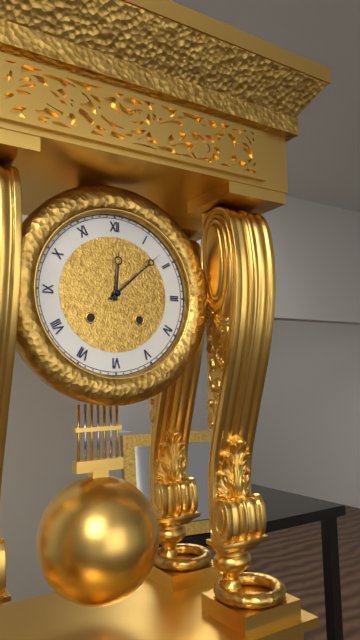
12:08
